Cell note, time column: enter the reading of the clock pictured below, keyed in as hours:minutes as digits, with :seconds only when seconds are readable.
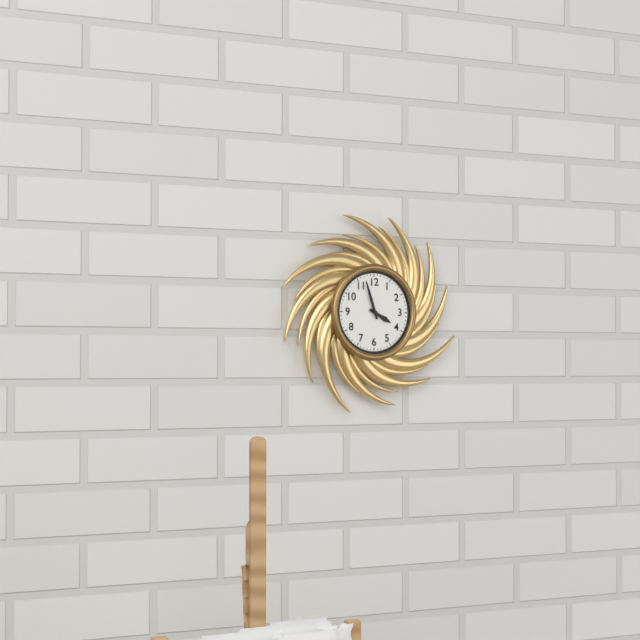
3:57
